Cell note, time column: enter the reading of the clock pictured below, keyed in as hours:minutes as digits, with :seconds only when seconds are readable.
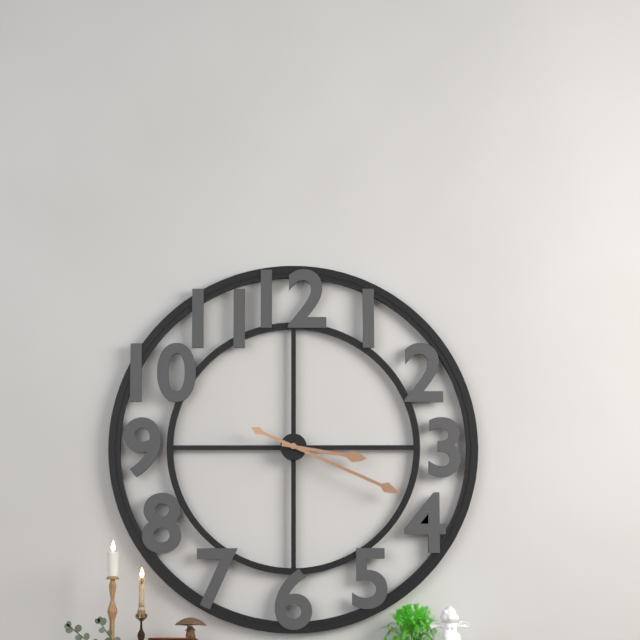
3:19
